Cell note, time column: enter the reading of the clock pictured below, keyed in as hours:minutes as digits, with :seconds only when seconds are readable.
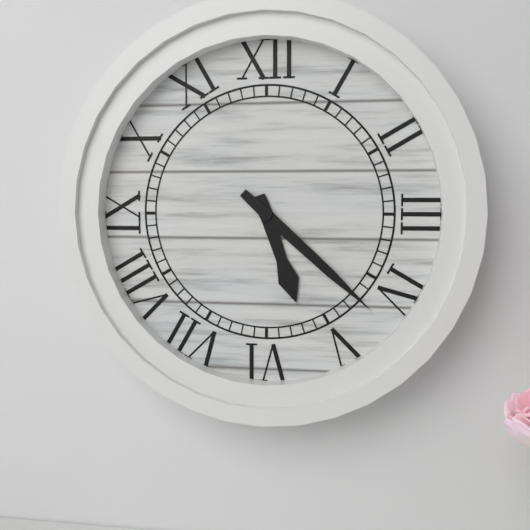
5:22
